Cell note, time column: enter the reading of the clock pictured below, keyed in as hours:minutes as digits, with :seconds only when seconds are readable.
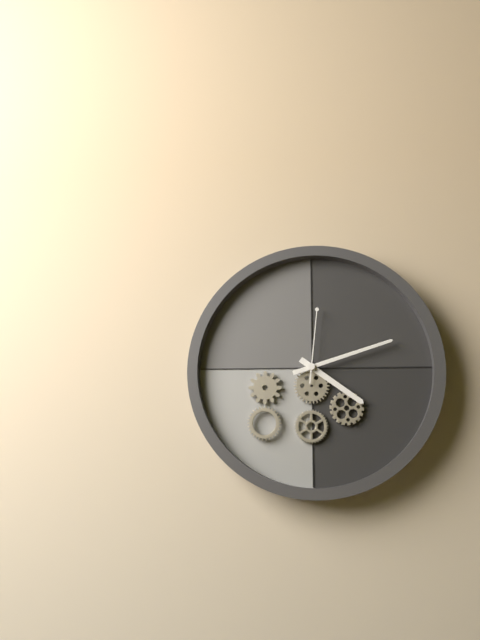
4:12:01
